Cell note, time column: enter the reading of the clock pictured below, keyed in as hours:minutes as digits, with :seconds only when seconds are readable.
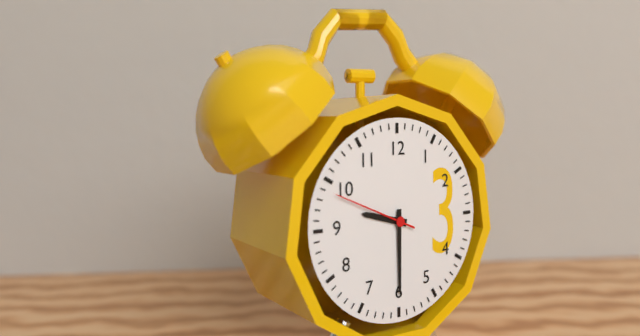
9:30:49
